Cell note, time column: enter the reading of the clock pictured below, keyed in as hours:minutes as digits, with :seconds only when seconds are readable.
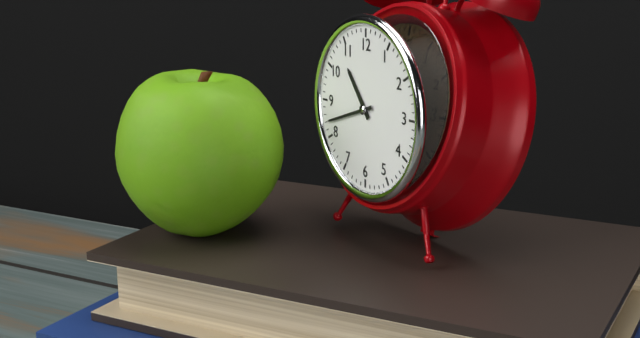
10:42
